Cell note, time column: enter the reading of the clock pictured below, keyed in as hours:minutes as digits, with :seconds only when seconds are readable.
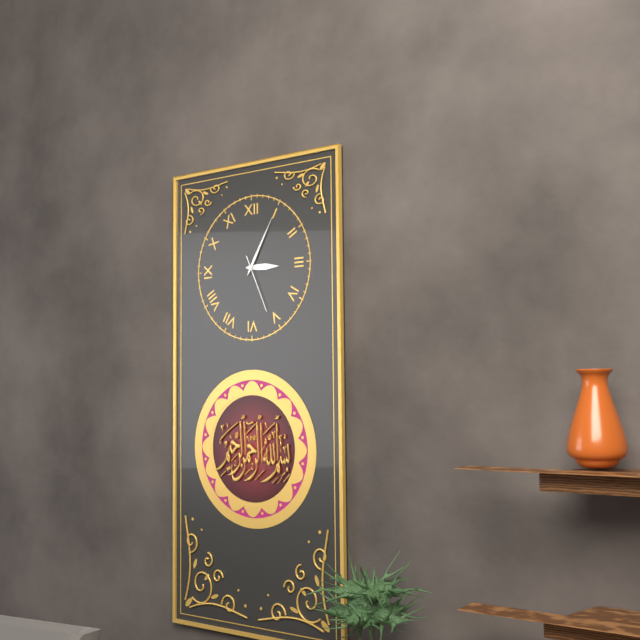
3:05:26
